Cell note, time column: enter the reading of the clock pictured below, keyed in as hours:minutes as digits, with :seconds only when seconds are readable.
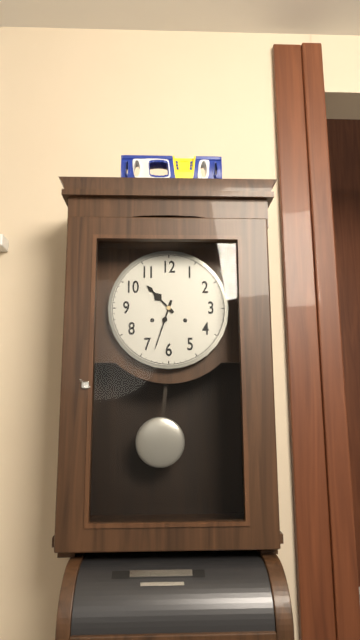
10:33
